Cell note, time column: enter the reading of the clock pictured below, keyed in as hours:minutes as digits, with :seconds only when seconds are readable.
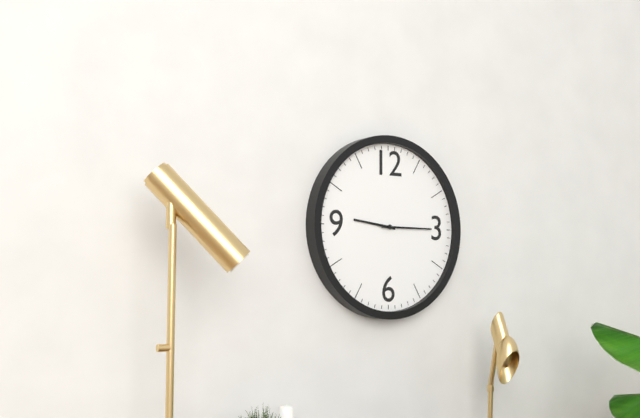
9:15
